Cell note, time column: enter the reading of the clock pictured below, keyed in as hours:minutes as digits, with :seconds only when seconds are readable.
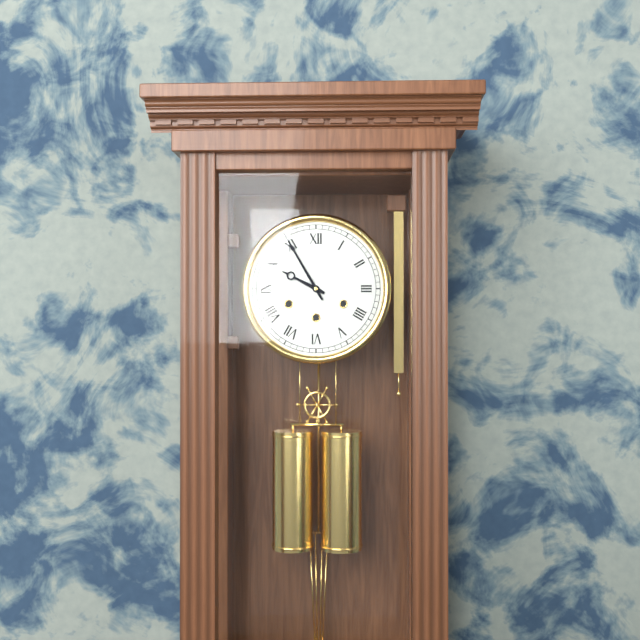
9:55
